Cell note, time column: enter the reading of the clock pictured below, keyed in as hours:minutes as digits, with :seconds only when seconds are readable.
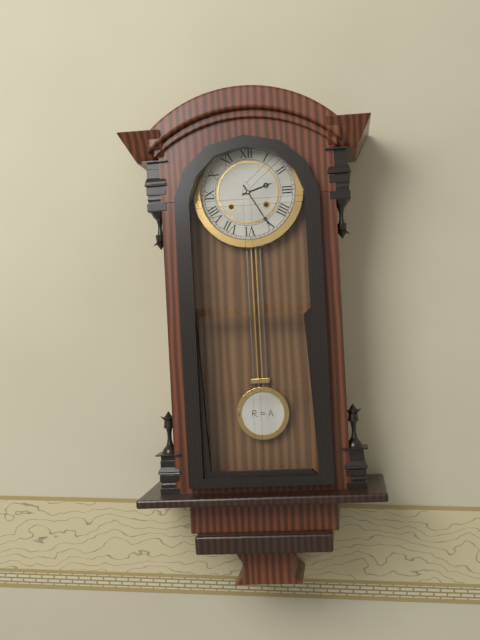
2:25
